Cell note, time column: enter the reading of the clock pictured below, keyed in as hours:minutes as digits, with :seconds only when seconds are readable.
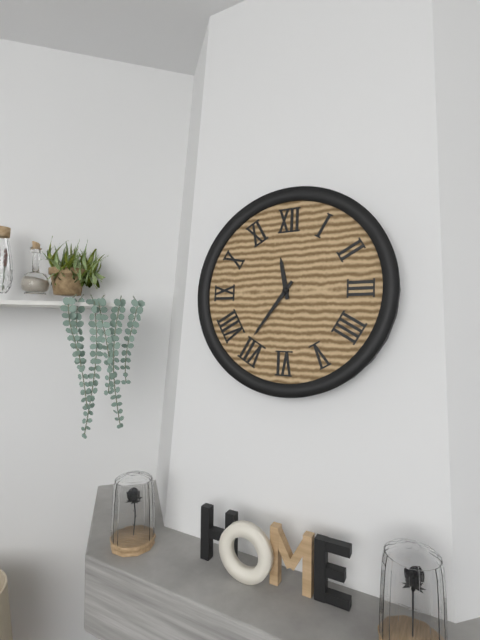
11:36
